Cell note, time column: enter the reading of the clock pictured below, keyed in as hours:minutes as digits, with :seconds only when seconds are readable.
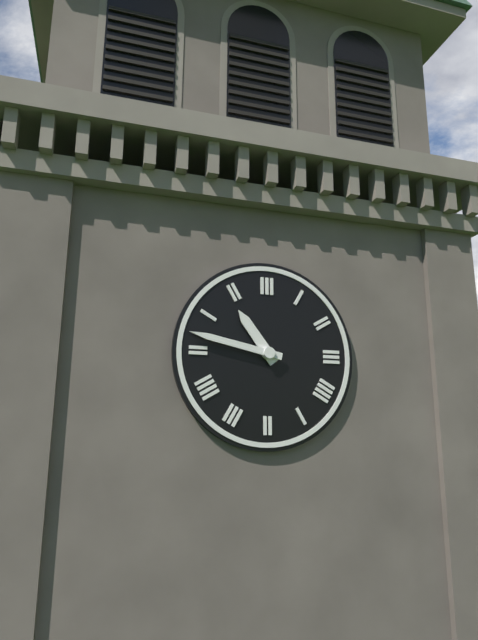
10:47
